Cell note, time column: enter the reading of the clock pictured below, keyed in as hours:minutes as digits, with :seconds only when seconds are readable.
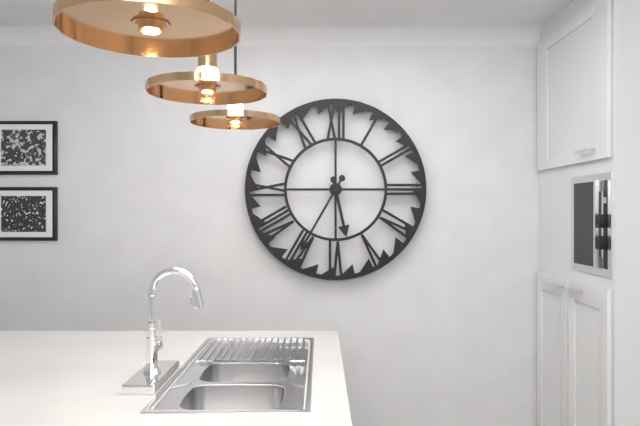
5:35
